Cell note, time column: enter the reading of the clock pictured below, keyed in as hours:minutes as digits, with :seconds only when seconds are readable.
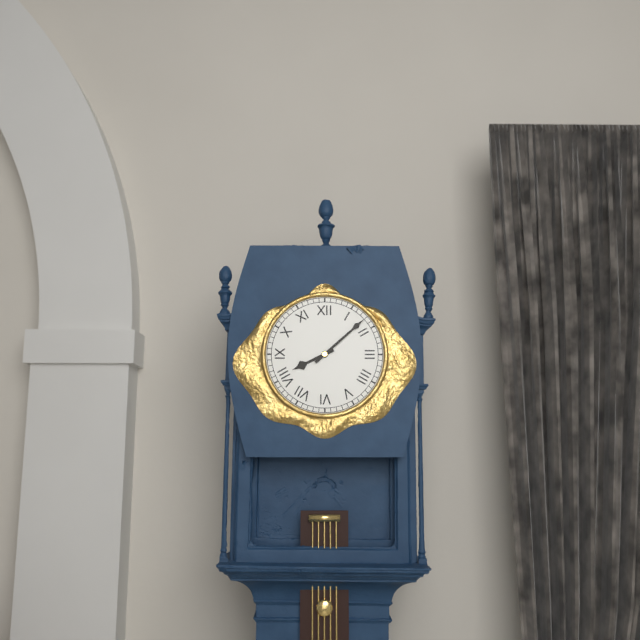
8:08
